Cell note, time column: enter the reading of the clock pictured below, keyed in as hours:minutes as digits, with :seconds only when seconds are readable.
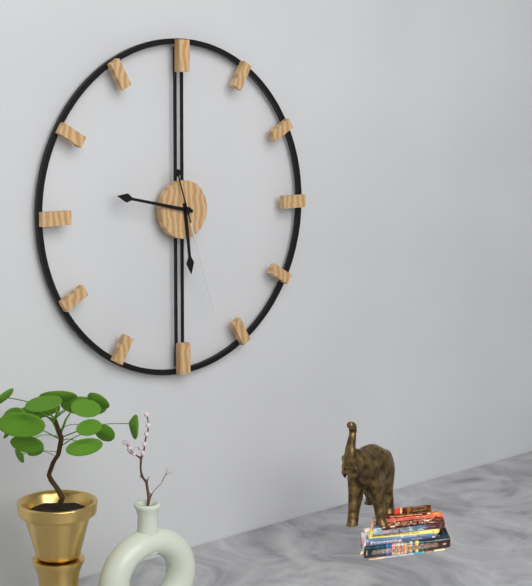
5:47:27
